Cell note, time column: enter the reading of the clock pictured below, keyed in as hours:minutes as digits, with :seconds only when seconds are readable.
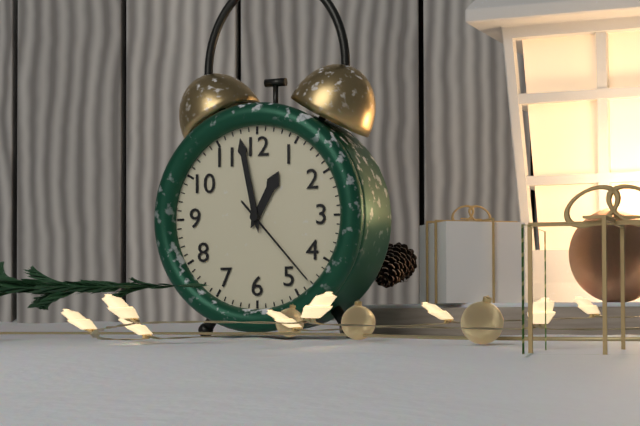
12:58:23
